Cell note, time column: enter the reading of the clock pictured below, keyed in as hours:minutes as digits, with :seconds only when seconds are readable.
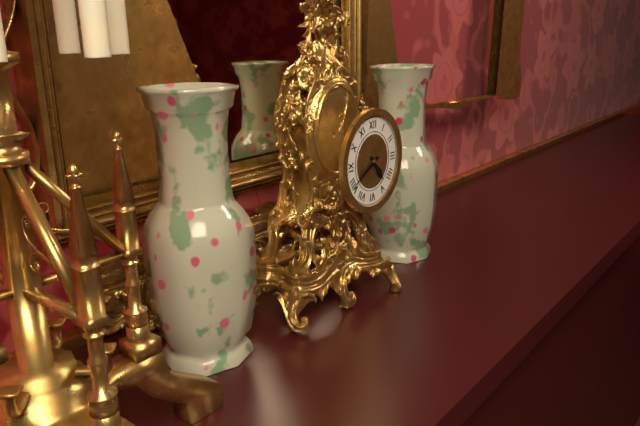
4:40
